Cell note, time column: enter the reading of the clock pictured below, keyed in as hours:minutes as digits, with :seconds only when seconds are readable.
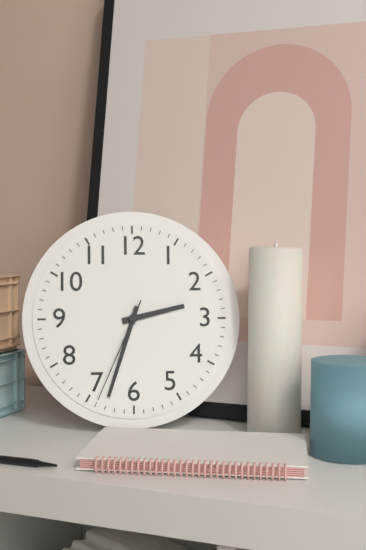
2:33:34
